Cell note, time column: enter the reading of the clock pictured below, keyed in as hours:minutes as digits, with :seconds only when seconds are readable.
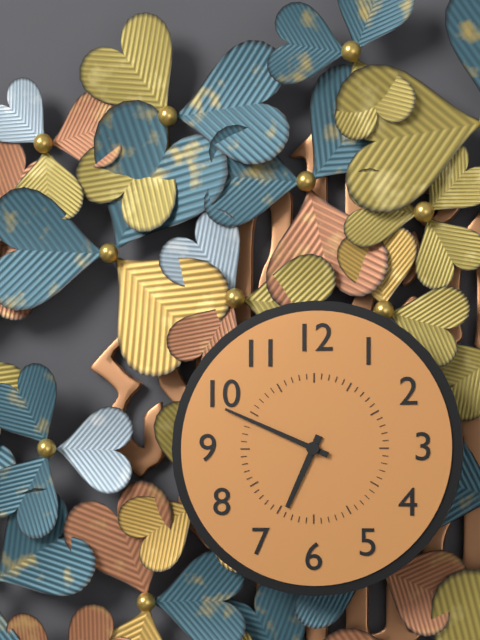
6:49
